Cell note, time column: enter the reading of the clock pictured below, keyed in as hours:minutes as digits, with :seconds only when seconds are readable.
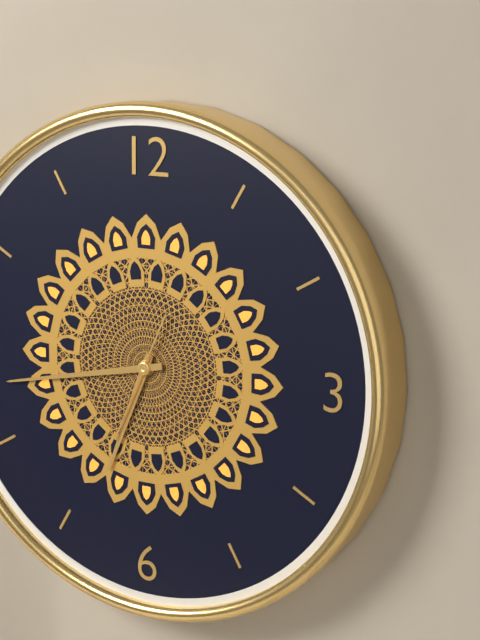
6:43:34
